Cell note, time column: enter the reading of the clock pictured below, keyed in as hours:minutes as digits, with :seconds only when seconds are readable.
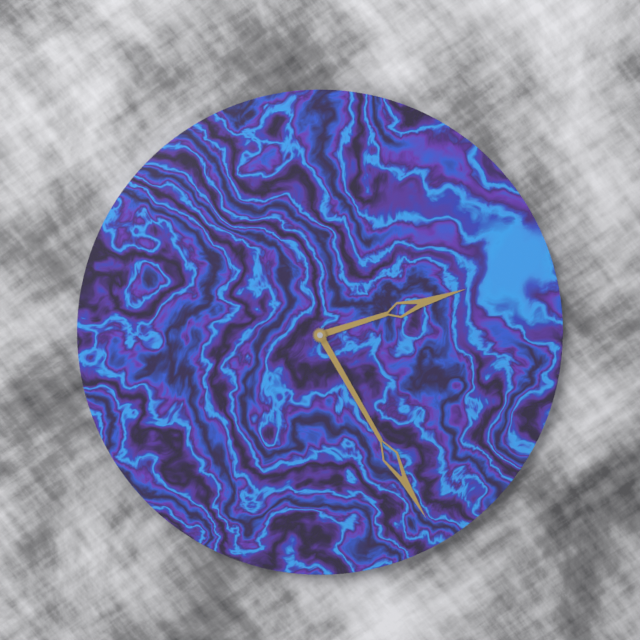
2:25
